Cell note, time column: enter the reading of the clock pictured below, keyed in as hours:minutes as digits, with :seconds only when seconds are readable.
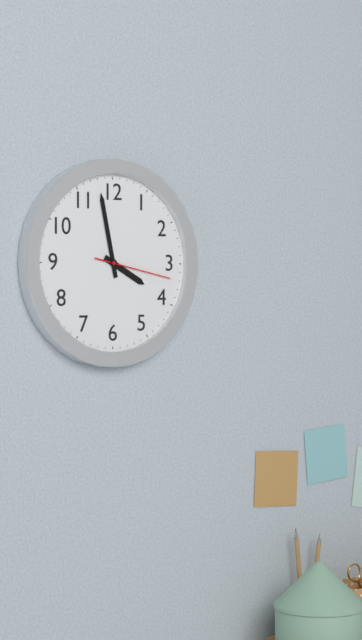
3:58:17
